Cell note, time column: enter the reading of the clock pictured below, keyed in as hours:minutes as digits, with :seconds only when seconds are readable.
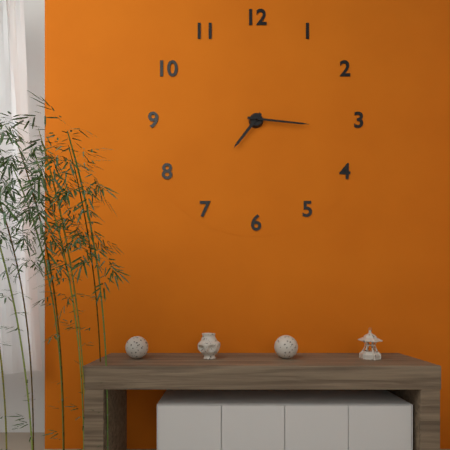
7:16
